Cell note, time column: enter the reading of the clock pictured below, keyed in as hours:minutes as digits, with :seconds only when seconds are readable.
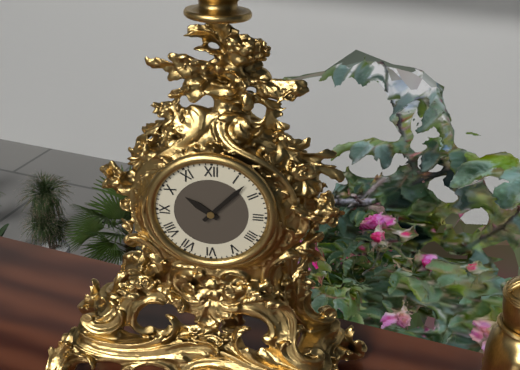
10:07
